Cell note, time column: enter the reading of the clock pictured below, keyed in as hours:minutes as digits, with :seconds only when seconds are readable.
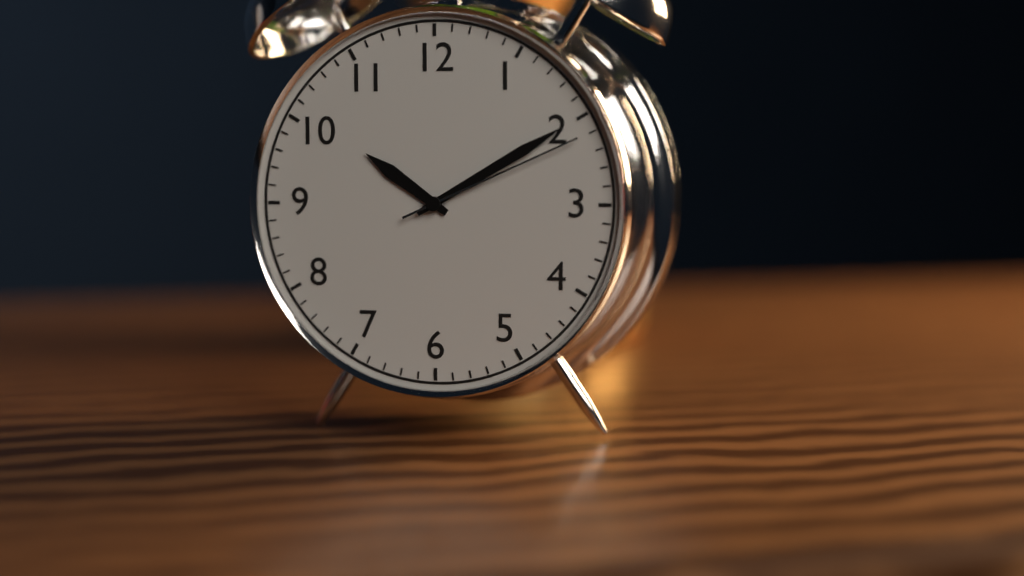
10:10:11
